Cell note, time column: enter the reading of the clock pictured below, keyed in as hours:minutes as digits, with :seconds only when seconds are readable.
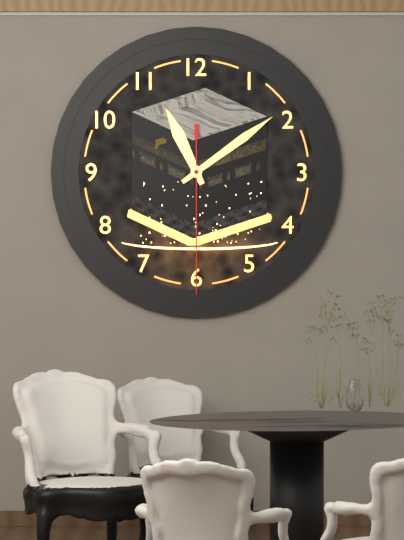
11:09:30
